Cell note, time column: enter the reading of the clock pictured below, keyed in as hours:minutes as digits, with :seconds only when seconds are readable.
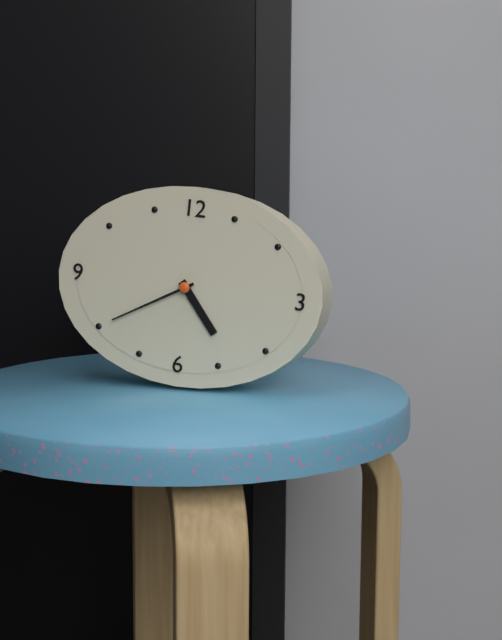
4:40
